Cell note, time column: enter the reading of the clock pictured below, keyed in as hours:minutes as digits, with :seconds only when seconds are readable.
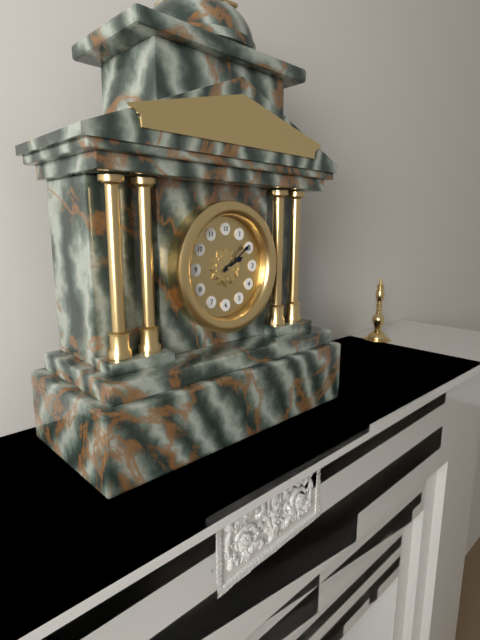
2:09
